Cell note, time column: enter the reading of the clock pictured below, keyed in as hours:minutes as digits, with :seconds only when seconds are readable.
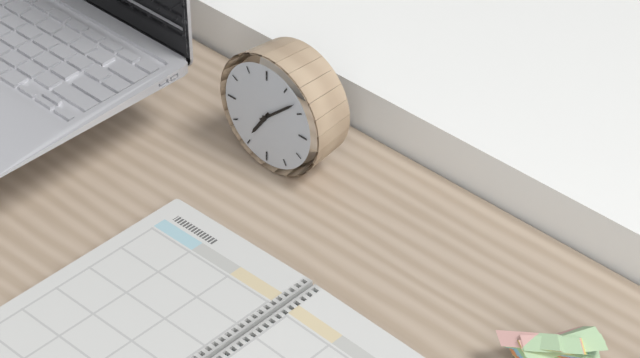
7:08
